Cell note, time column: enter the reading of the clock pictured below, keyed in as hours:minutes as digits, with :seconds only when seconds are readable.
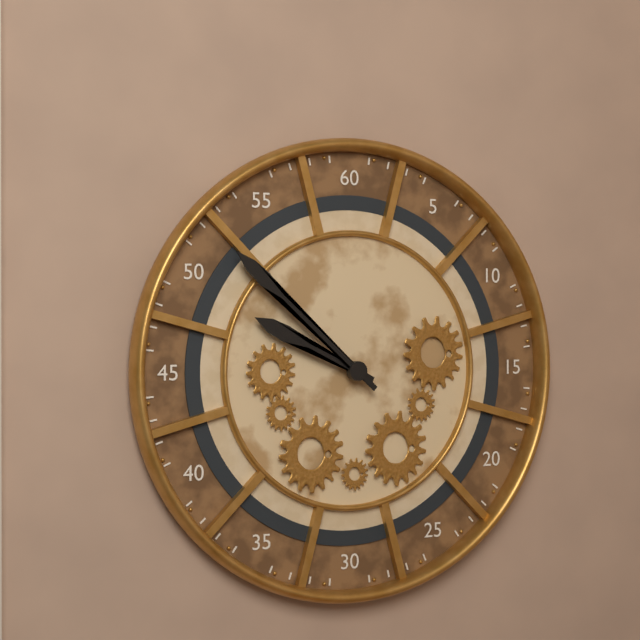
9:52
